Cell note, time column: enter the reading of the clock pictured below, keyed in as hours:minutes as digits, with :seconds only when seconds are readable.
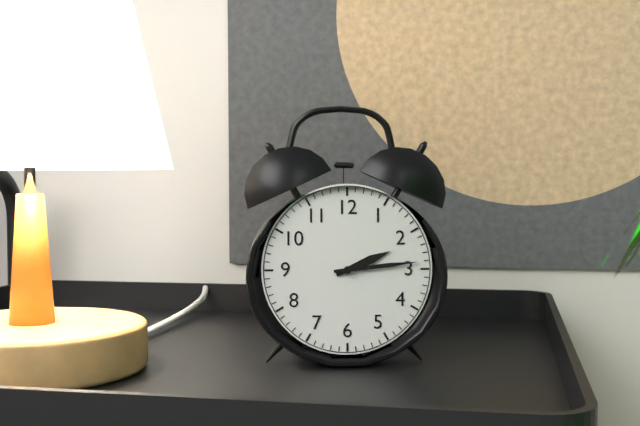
2:14
